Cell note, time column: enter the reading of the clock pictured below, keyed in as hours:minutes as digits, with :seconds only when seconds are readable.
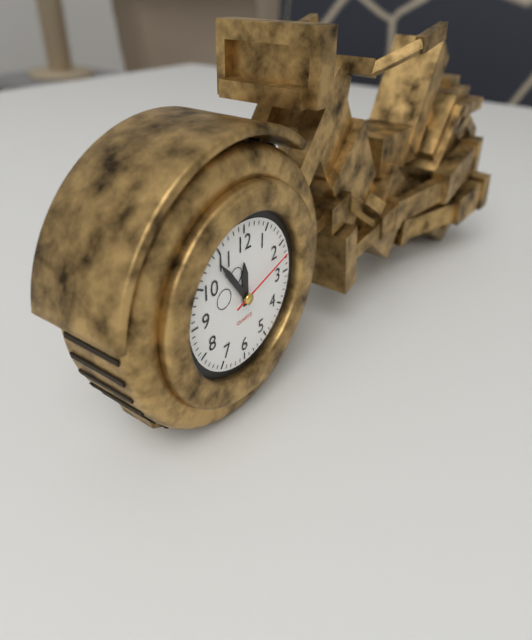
11:54:12
